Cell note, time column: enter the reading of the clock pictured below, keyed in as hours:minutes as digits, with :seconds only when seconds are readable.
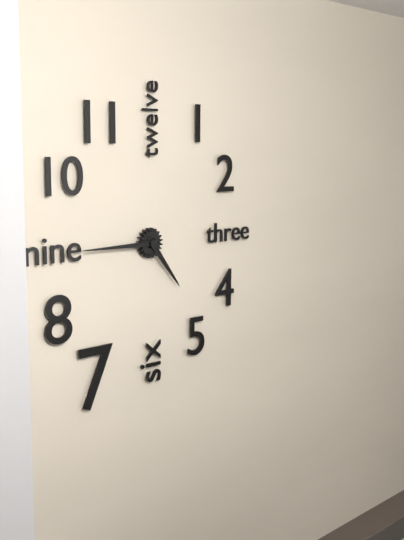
4:45
